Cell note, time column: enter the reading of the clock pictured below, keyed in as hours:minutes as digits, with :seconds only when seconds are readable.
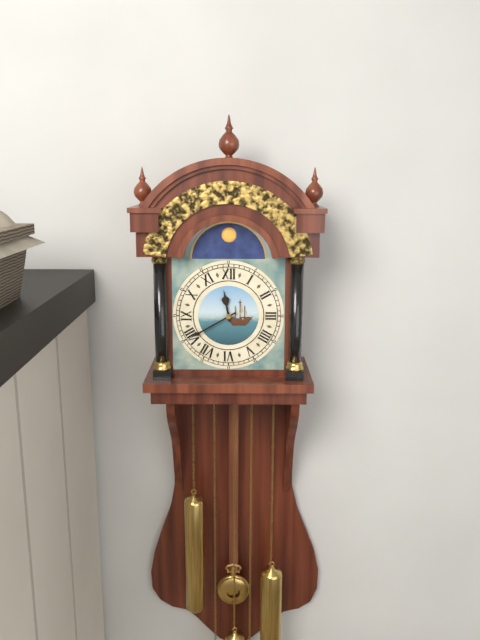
11:40
